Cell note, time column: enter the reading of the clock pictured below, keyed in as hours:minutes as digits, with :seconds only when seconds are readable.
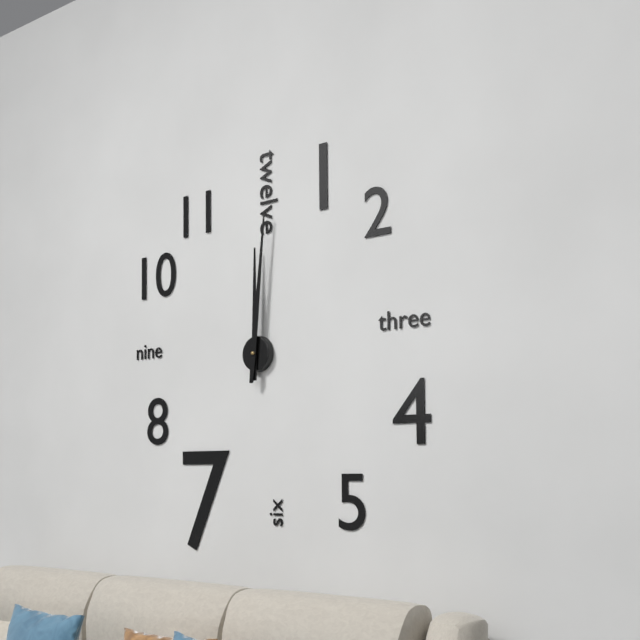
12:01
